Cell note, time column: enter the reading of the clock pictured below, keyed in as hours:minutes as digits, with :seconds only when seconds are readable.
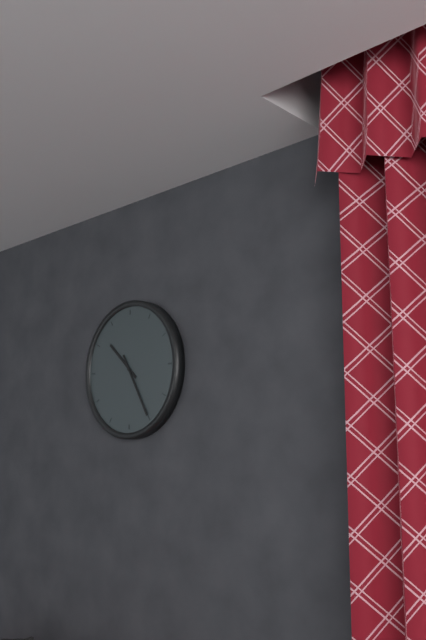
10:25
